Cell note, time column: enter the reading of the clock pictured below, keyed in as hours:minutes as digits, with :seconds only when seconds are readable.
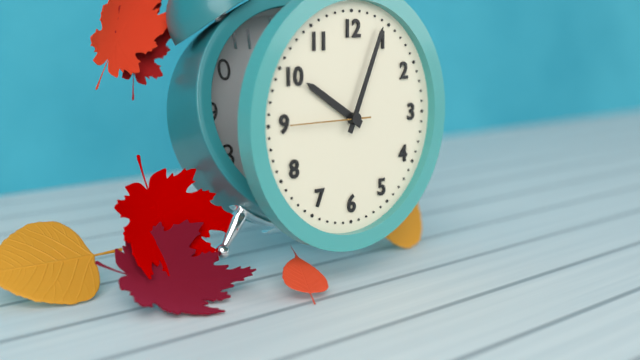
10:04:45
